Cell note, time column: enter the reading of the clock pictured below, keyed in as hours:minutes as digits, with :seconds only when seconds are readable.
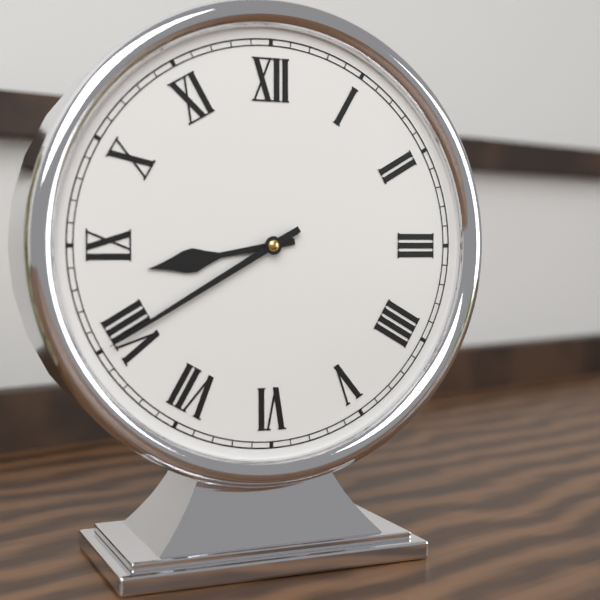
8:40
